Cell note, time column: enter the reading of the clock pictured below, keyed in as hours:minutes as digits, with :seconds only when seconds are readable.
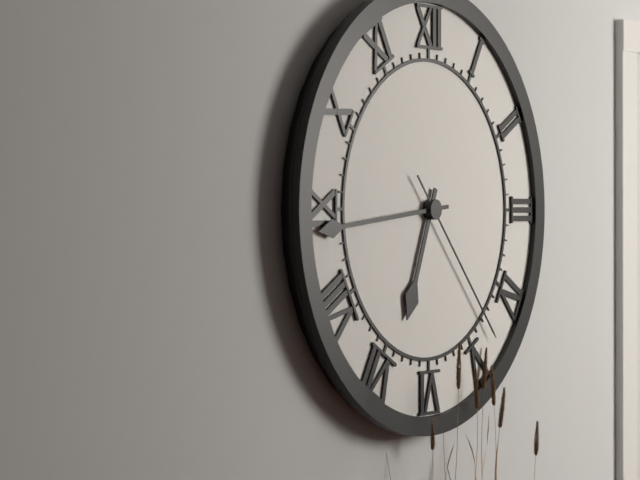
6:44:23
